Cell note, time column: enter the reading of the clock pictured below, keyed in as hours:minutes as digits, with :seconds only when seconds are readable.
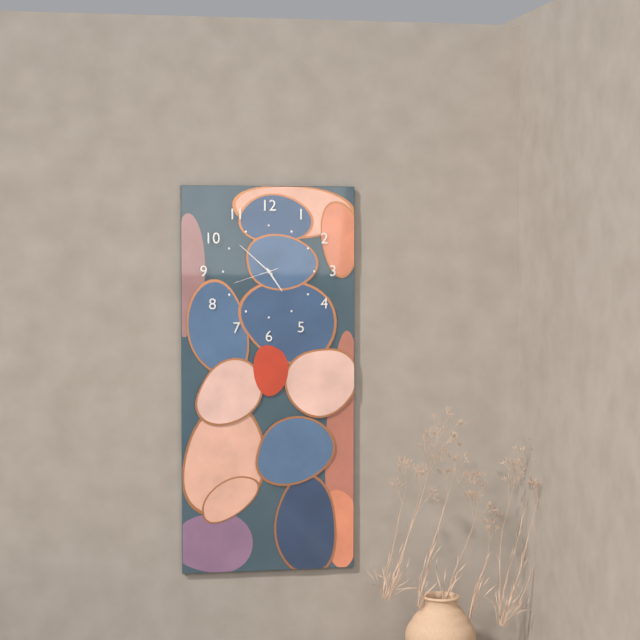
4:52
